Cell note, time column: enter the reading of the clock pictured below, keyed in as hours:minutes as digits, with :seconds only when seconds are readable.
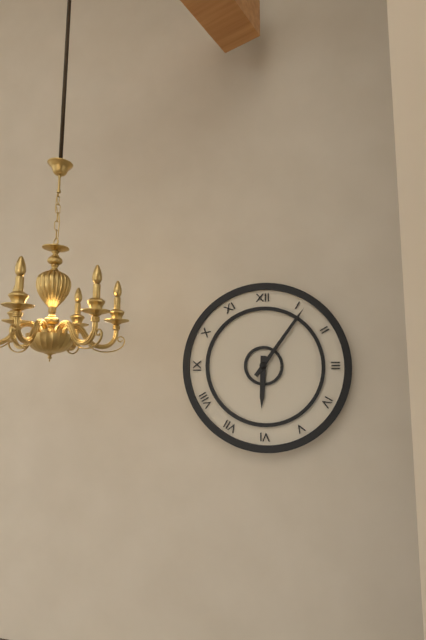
6:06
